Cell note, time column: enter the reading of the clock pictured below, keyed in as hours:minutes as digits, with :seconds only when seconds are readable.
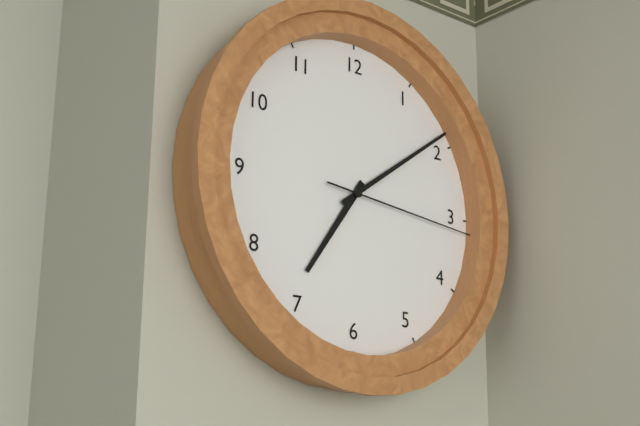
7:09:16
